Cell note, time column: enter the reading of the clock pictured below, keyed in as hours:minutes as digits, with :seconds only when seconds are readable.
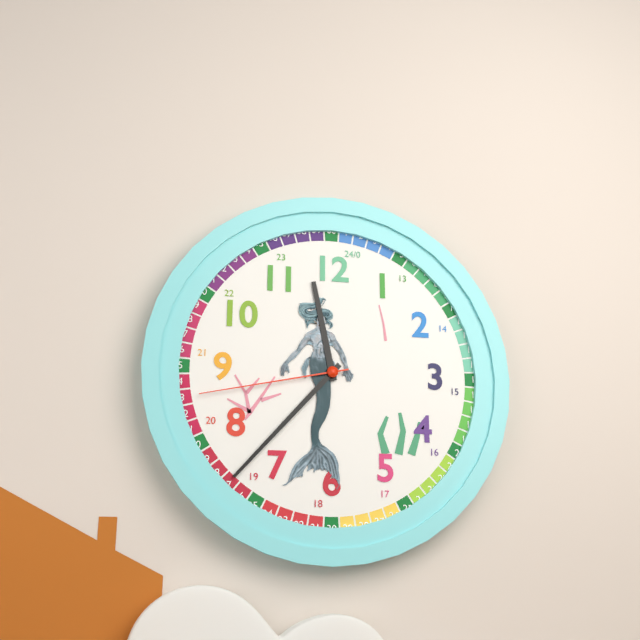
11:37:43
